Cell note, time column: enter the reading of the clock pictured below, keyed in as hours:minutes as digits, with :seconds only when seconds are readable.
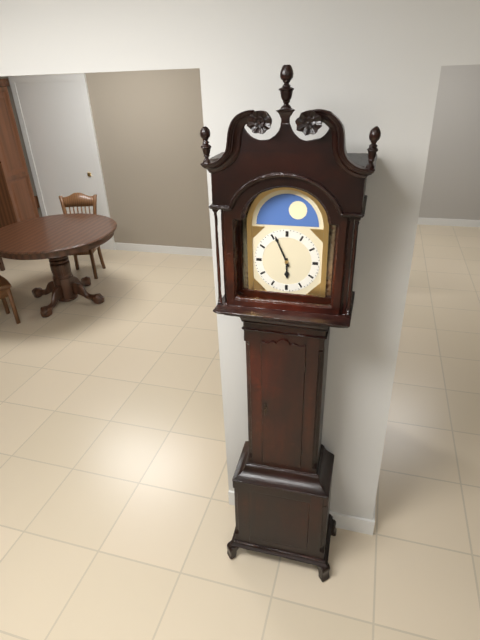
5:56
